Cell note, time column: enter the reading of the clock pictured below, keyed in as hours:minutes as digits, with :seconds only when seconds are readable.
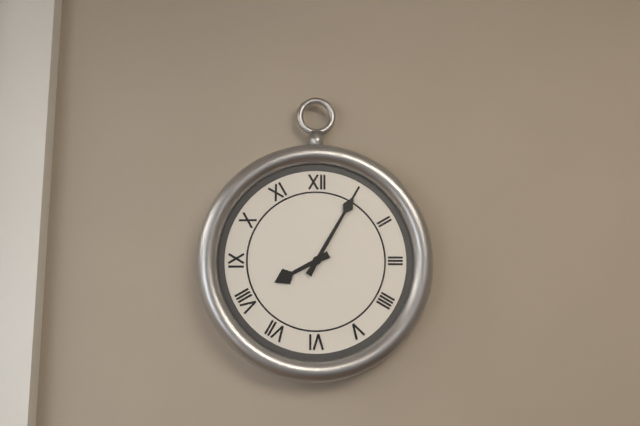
8:05
